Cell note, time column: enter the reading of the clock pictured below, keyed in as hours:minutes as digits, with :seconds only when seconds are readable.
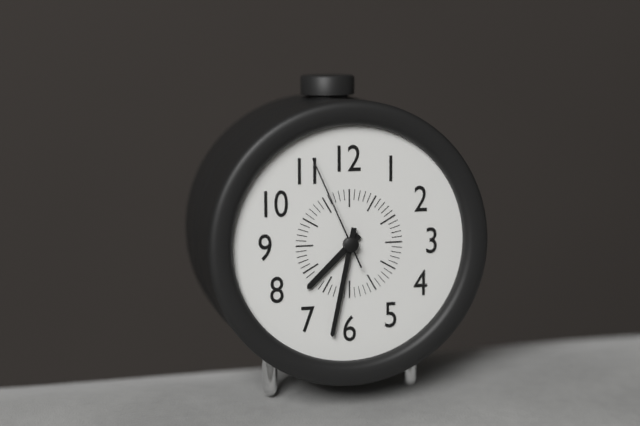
7:32:56
